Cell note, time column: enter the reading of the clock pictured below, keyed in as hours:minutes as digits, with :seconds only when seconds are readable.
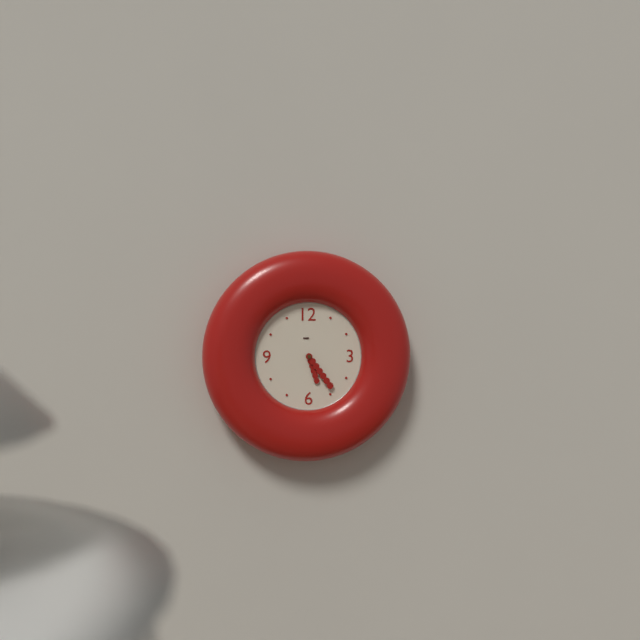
5:24
